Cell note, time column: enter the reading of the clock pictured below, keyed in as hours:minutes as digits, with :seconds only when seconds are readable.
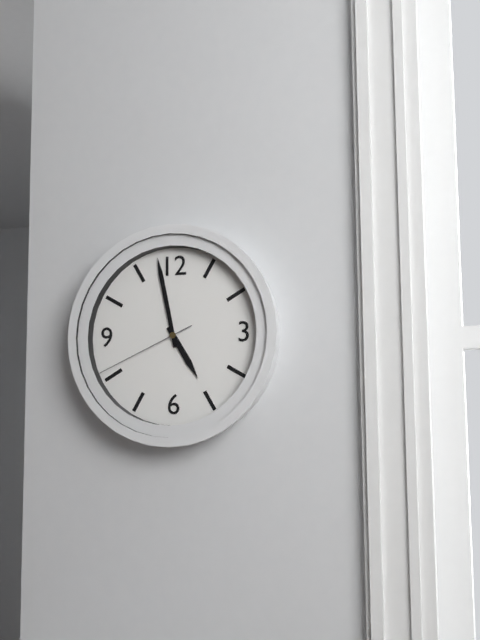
4:58:41
